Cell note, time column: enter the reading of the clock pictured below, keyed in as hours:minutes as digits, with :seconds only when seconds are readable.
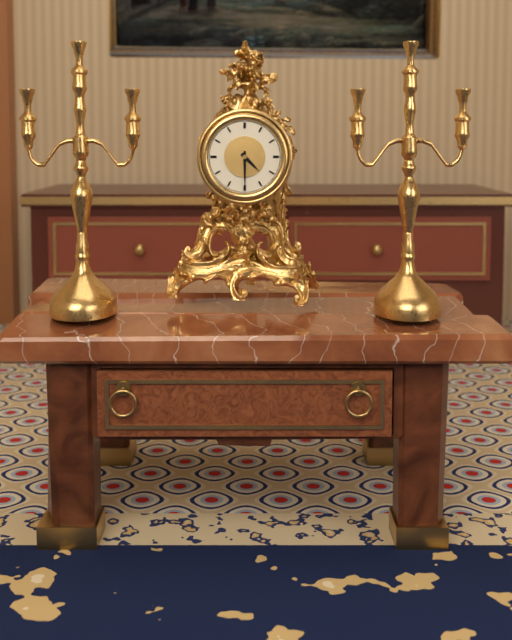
4:30
